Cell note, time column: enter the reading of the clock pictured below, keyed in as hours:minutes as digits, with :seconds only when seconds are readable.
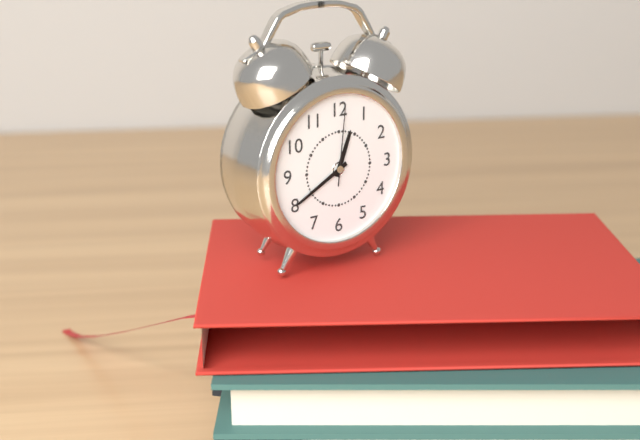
12:40:01
